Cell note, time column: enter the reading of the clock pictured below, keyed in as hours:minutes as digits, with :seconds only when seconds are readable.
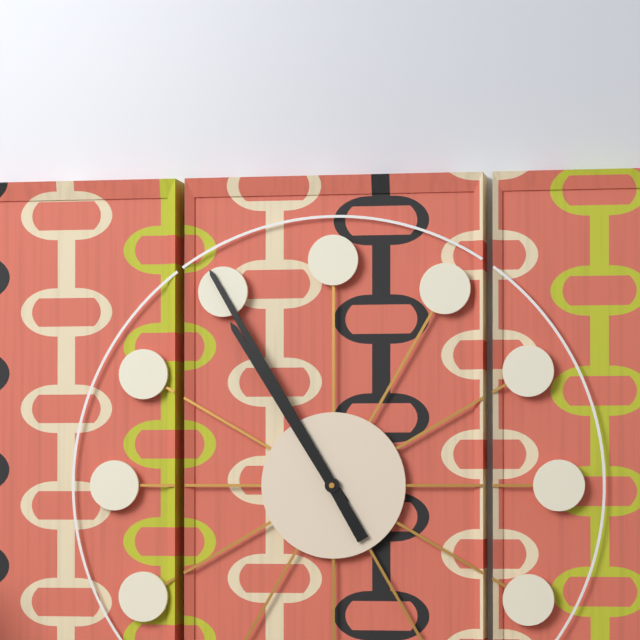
10:55
